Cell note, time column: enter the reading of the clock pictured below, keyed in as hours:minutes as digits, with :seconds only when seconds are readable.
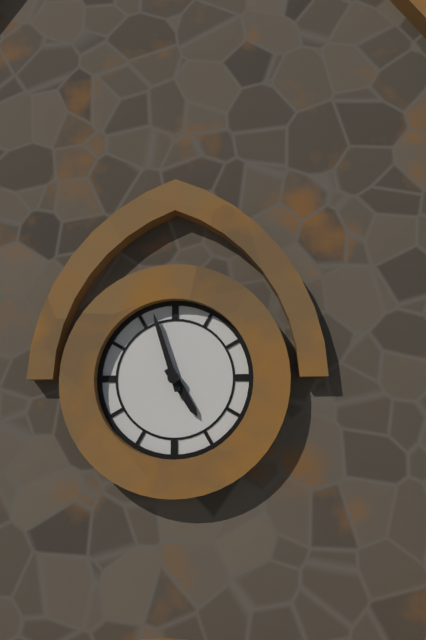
4:57
